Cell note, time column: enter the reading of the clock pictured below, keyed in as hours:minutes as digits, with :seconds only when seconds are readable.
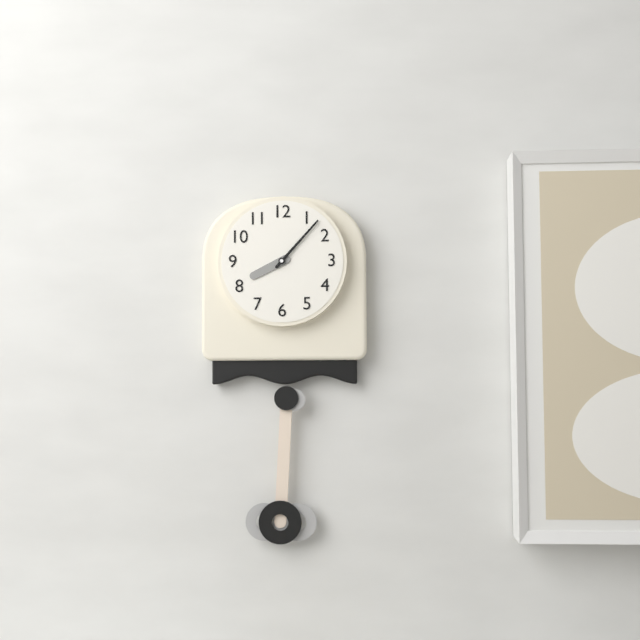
8:07
